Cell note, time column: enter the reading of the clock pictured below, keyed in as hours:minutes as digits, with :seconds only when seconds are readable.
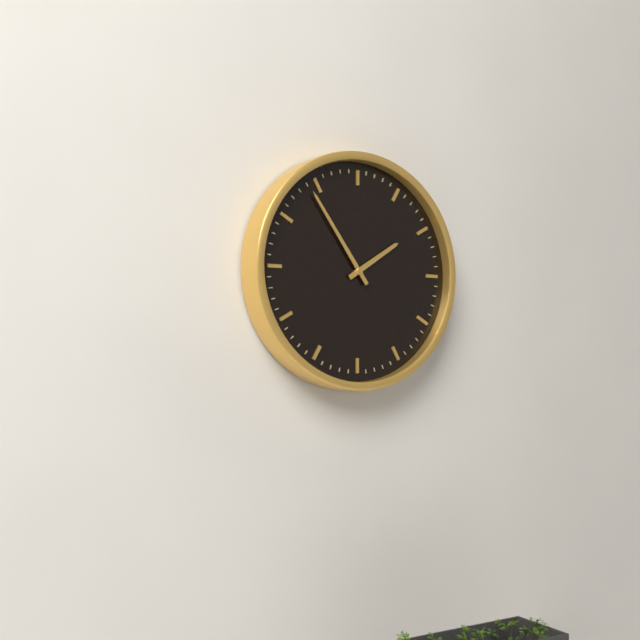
1:54
